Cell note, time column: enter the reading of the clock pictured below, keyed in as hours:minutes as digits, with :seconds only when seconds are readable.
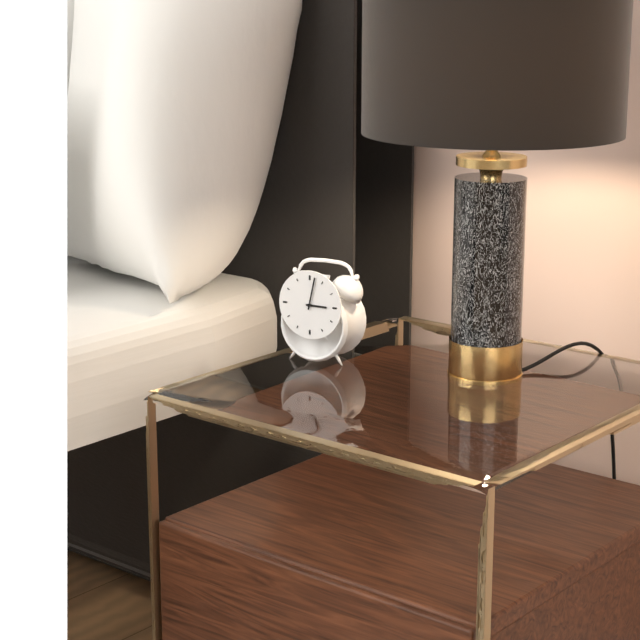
3:02
